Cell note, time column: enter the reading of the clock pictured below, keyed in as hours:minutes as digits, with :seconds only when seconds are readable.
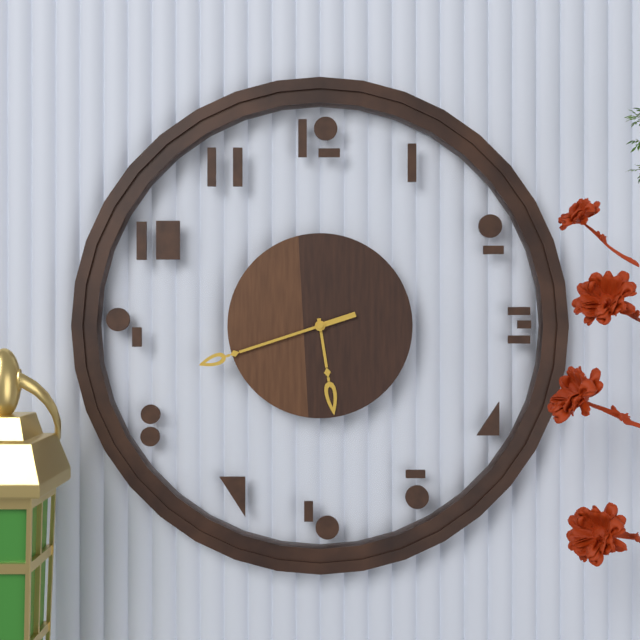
5:42
